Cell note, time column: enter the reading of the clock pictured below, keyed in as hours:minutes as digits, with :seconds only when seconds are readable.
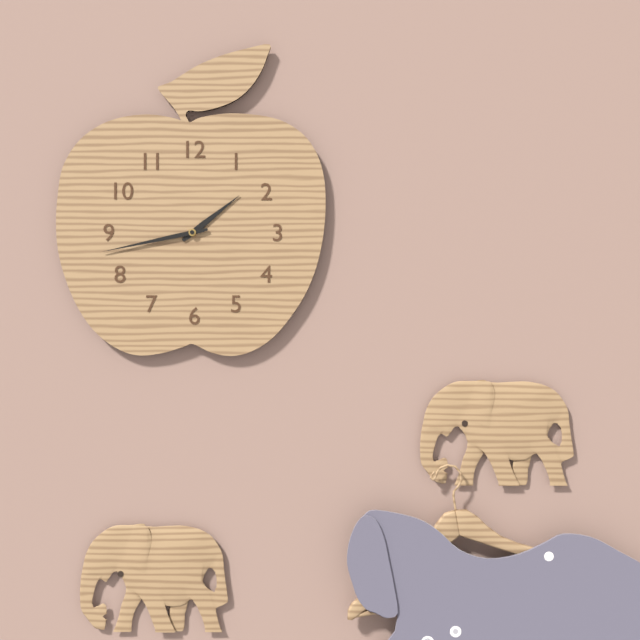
1:43
